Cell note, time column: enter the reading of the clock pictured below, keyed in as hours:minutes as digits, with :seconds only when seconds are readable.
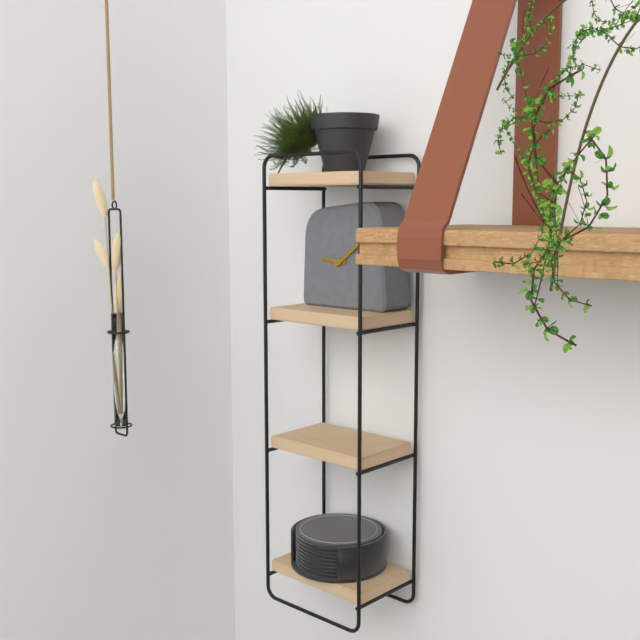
9:09
